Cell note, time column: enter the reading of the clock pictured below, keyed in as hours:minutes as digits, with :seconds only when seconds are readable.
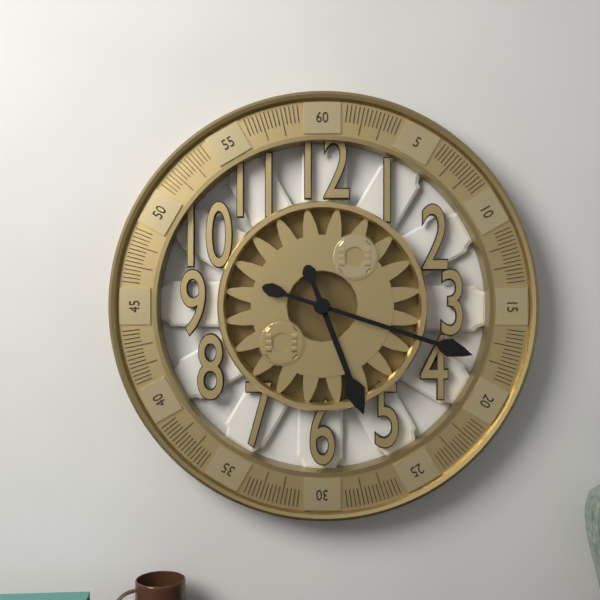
5:18
